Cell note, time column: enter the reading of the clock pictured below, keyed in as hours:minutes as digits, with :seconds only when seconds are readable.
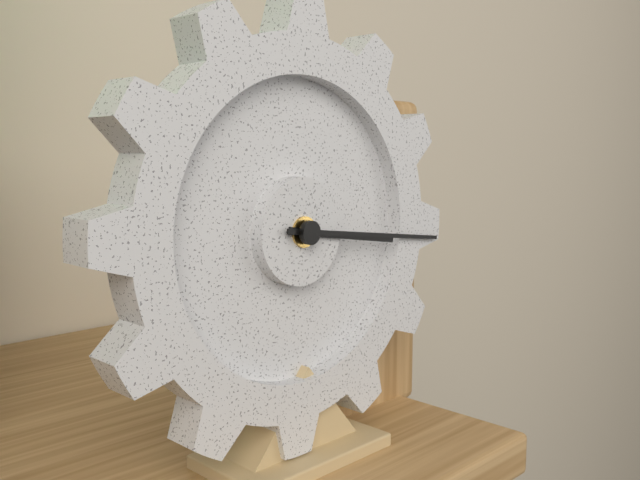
3:16
